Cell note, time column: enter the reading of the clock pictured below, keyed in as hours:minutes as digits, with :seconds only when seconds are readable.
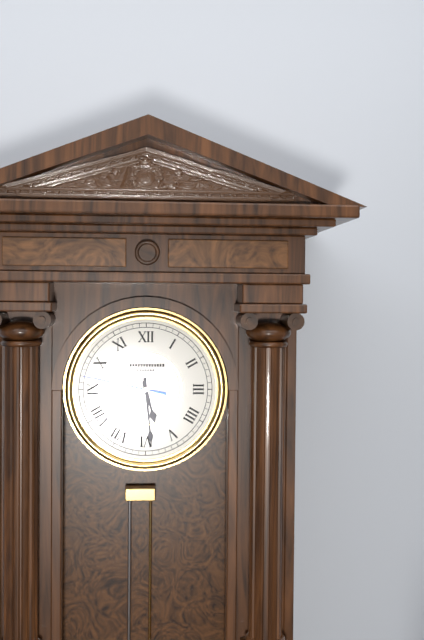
5:29:47
